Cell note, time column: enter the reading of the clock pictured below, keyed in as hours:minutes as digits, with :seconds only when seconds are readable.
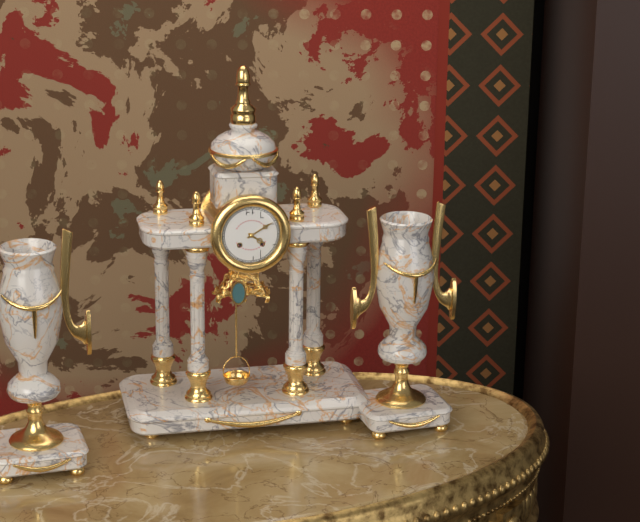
4:10
